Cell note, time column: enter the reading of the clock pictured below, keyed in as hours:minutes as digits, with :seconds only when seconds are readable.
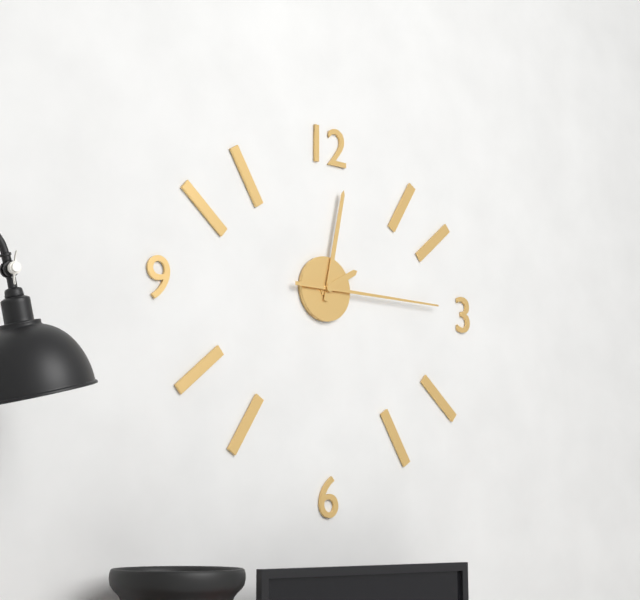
2:02:15
